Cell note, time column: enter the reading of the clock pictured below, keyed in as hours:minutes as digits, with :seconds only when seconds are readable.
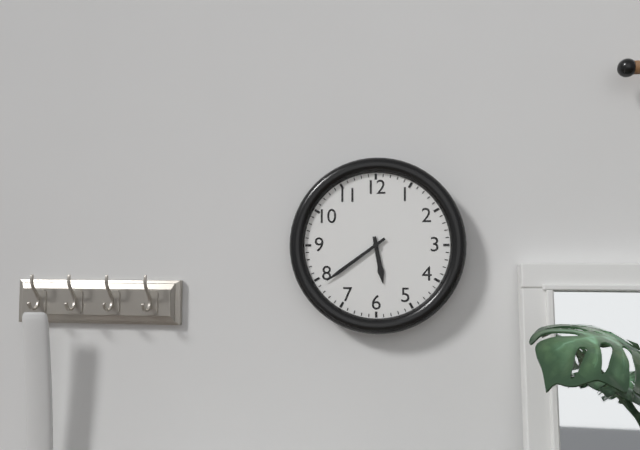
5:39
